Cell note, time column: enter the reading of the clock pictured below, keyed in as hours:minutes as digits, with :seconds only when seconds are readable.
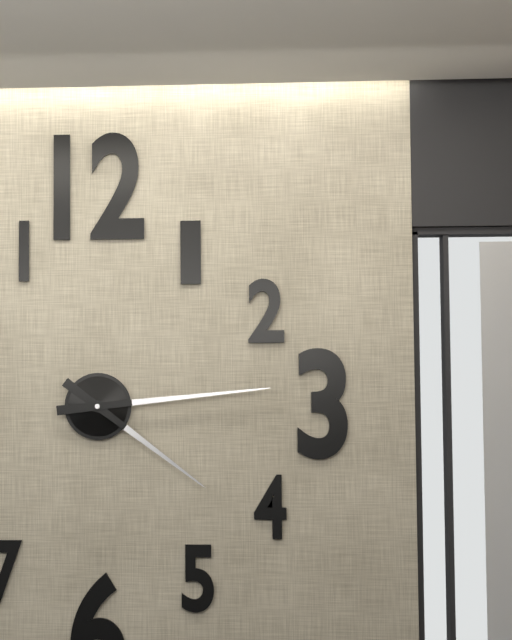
4:14
